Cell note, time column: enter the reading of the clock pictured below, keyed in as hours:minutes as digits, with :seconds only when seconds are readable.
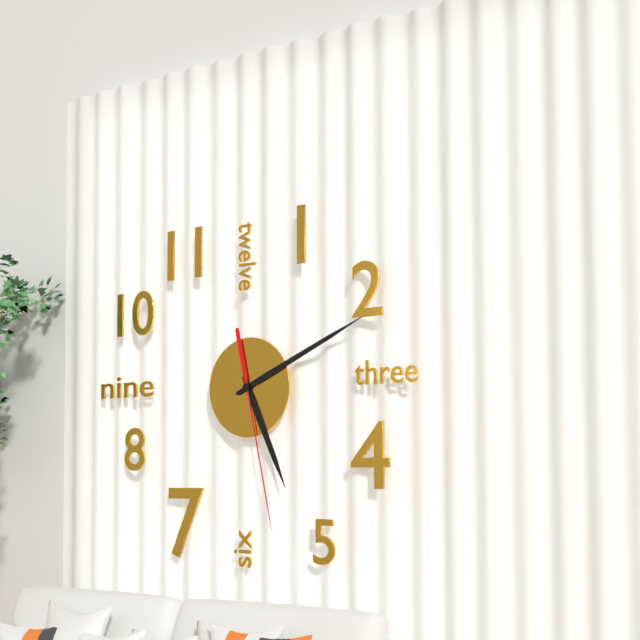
5:11:28
